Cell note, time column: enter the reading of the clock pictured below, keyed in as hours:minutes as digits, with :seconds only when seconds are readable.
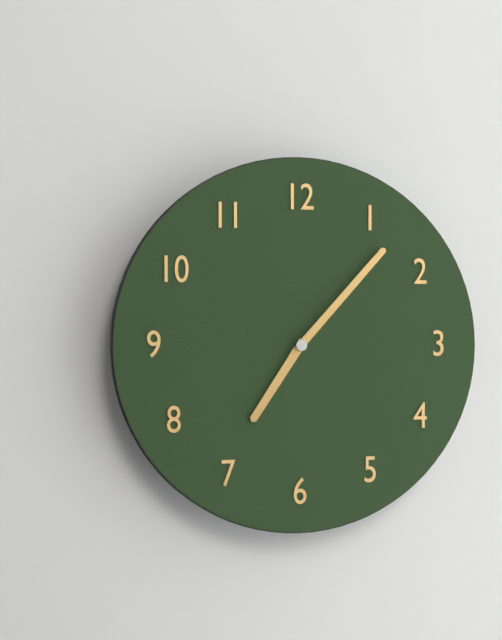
7:07
